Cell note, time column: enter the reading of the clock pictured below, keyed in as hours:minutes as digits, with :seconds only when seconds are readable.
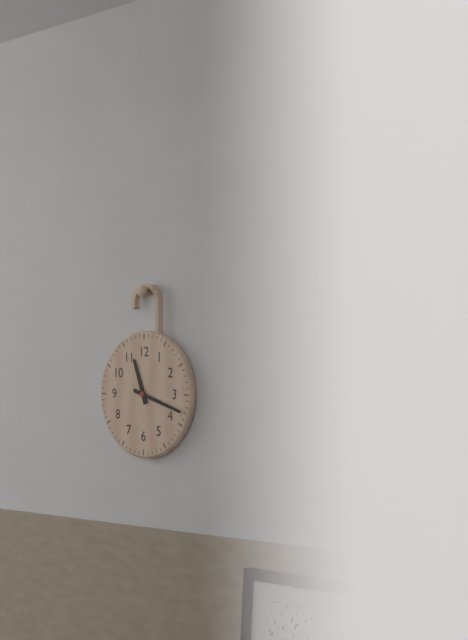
11:18
